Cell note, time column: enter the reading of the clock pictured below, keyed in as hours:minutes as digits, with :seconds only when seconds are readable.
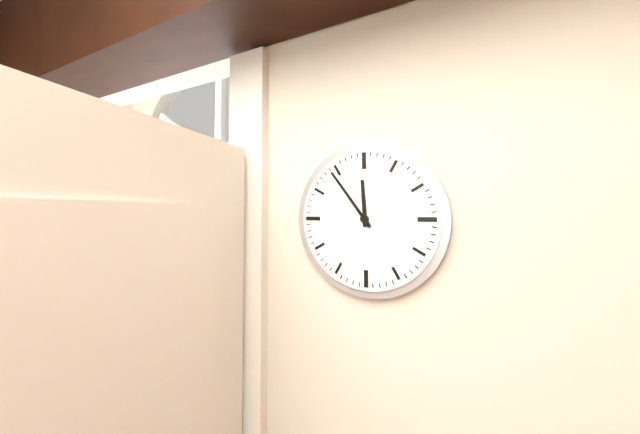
11:54
